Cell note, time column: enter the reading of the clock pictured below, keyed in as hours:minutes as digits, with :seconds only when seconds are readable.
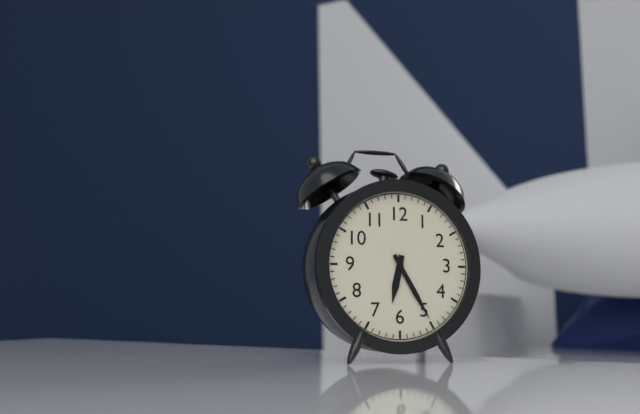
6:25
